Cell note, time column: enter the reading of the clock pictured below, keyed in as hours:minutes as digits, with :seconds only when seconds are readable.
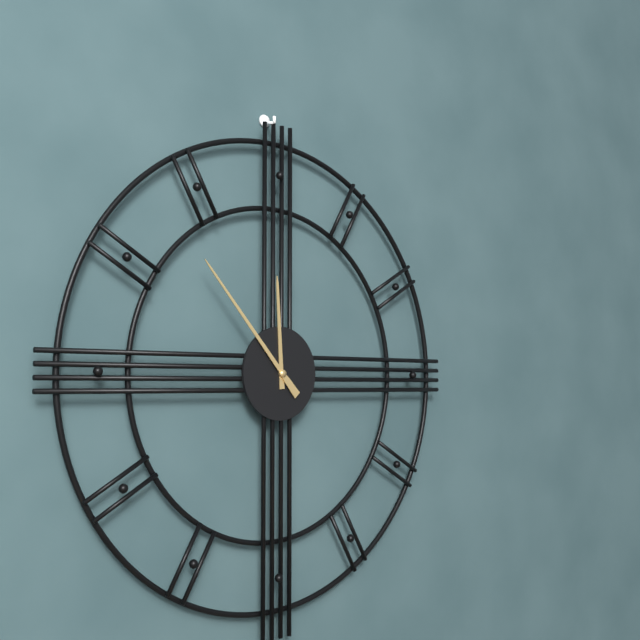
11:53
